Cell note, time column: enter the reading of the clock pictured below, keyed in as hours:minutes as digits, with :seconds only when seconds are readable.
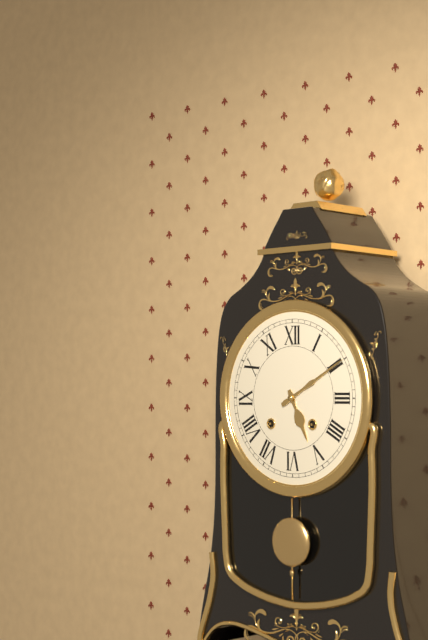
5:10
